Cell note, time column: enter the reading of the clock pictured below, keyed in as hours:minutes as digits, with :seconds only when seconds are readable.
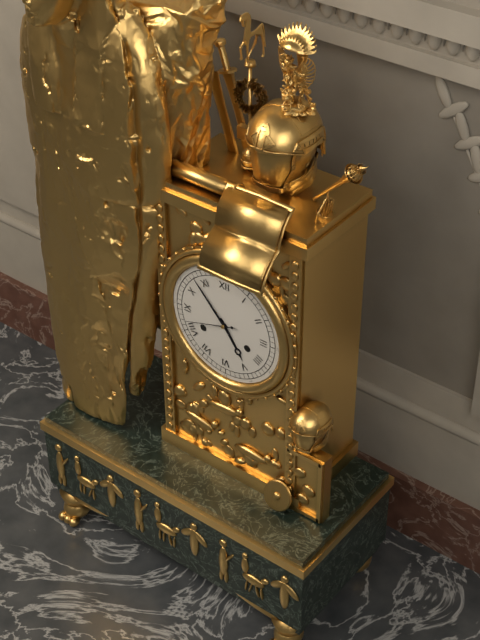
4:53:42
